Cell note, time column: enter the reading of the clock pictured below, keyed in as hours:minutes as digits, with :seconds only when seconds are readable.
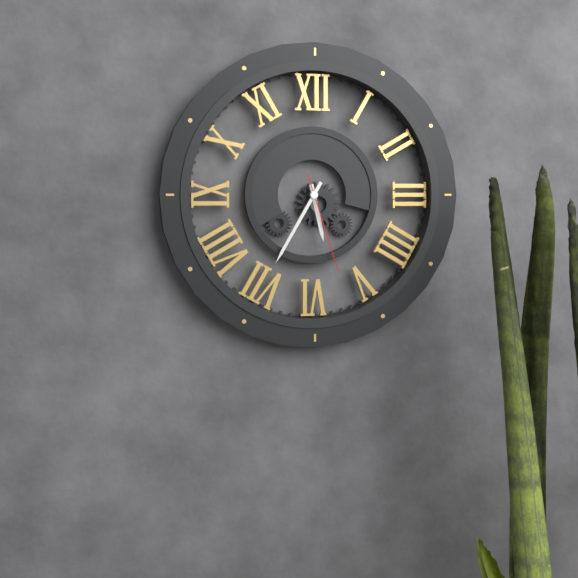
5:35:27
